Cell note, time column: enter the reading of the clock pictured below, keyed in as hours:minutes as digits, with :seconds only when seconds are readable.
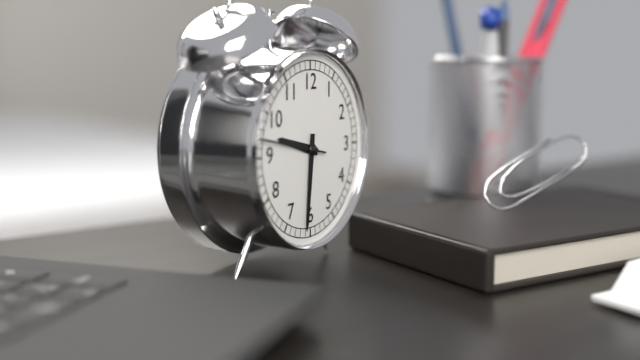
9:31:47
